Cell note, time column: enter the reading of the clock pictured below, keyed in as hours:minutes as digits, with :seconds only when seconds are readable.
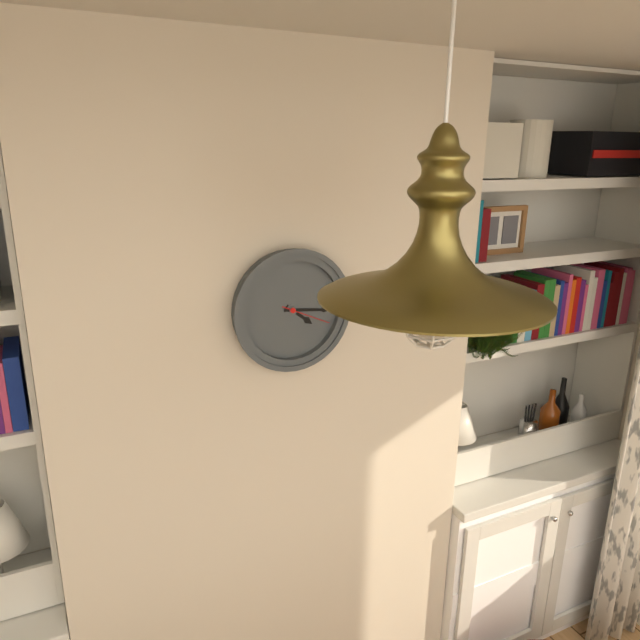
4:16
